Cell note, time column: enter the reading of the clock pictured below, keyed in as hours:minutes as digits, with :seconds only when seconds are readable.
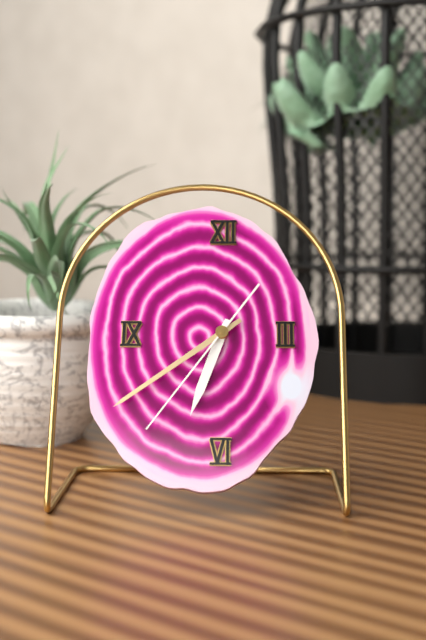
6:39:36
